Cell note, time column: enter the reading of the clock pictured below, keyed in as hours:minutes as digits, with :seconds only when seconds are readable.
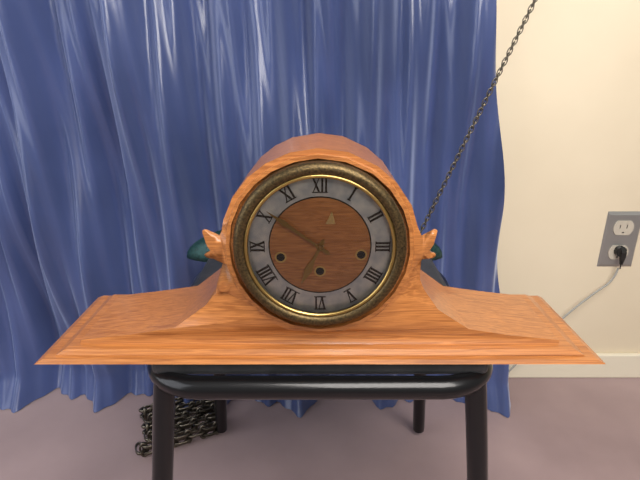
6:51
